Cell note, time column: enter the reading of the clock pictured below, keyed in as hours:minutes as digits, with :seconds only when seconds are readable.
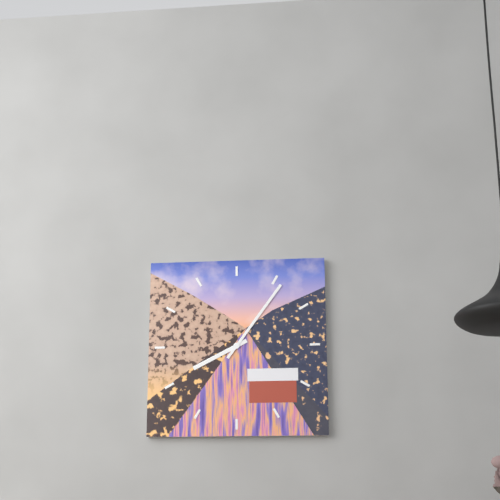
8:06
